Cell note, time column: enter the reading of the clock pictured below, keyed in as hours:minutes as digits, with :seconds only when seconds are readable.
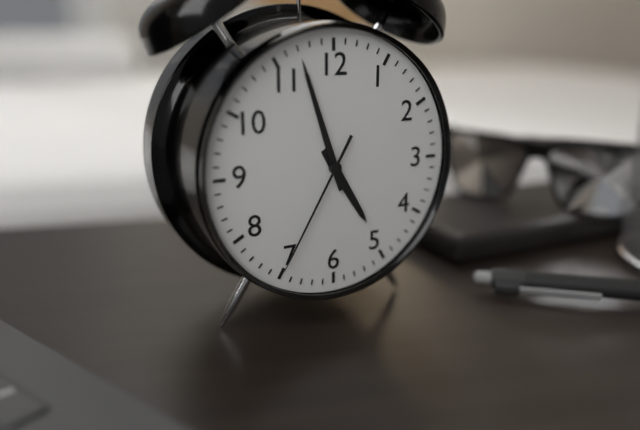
4:57:35
